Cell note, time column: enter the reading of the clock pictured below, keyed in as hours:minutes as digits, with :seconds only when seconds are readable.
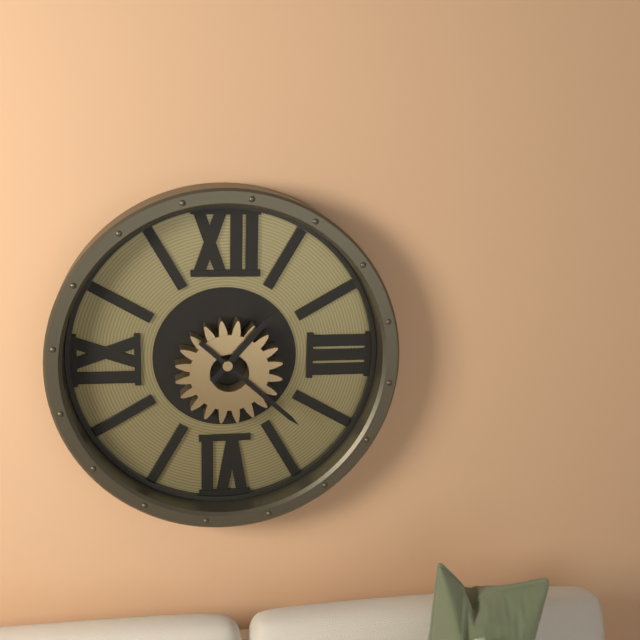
1:22
